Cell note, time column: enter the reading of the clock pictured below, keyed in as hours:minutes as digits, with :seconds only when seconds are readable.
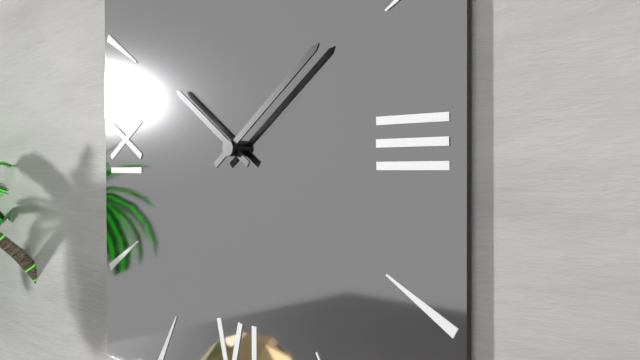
10:09
